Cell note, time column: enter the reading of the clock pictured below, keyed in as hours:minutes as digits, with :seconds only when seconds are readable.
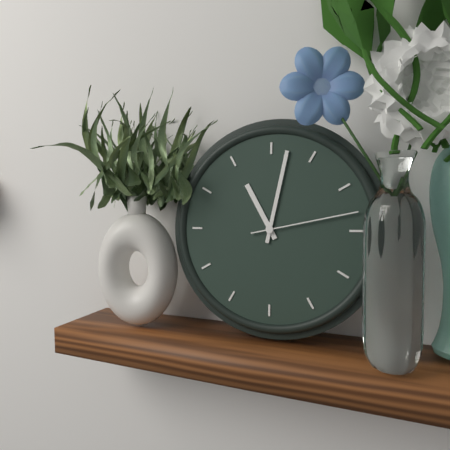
11:02:13
